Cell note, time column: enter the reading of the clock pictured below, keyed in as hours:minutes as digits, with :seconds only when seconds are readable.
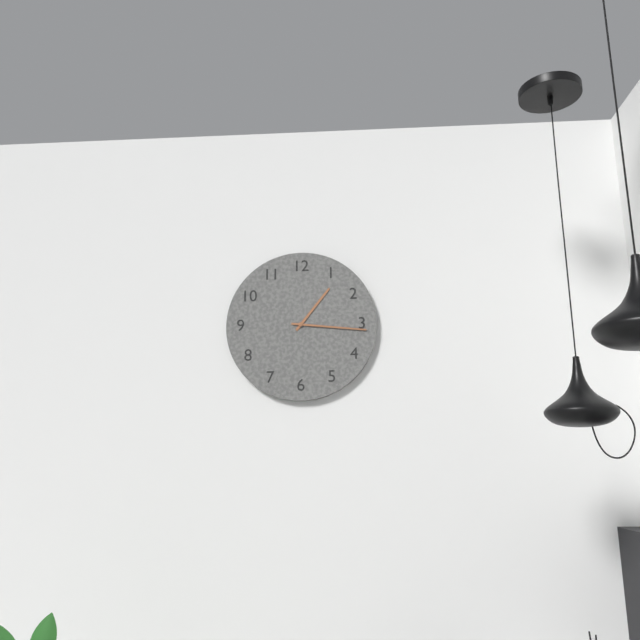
1:16
